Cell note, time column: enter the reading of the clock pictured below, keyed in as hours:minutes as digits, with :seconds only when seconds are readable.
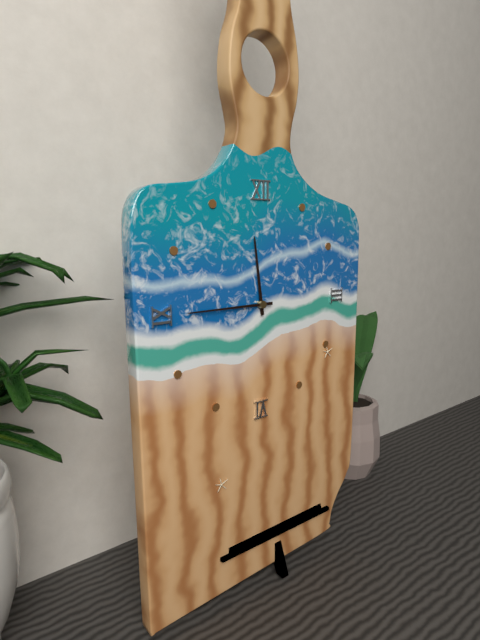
11:45
